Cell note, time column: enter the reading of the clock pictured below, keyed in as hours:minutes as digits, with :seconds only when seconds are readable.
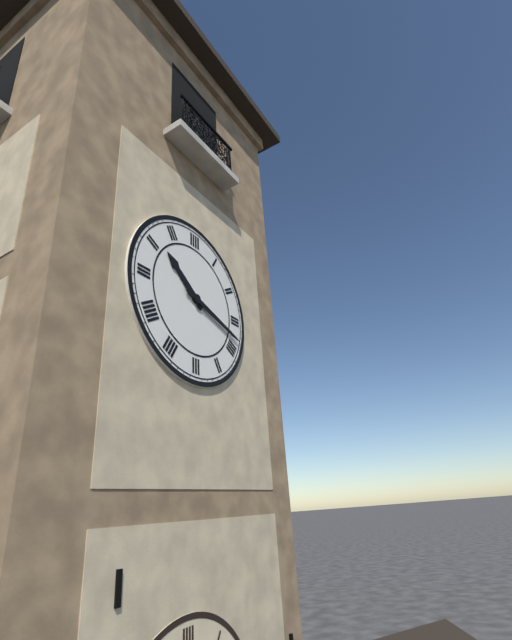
10:18
